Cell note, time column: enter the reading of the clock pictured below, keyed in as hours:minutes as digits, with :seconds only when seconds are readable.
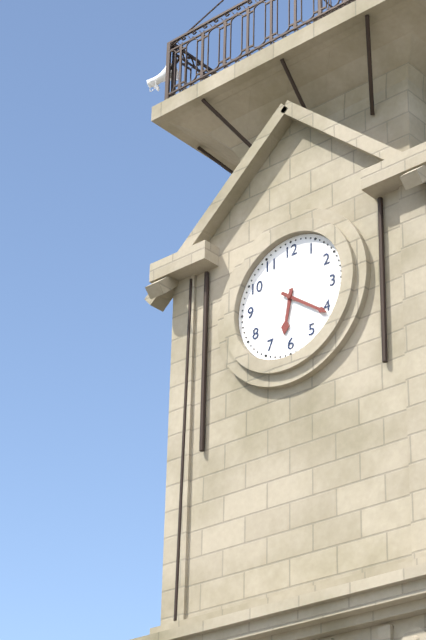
6:21
